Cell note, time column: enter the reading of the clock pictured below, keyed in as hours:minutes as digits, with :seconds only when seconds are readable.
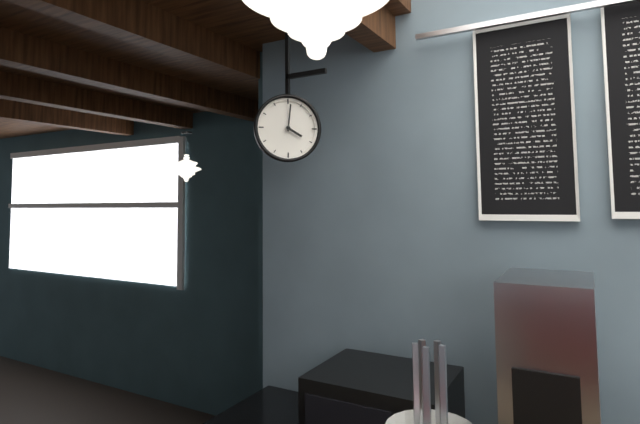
4:01
